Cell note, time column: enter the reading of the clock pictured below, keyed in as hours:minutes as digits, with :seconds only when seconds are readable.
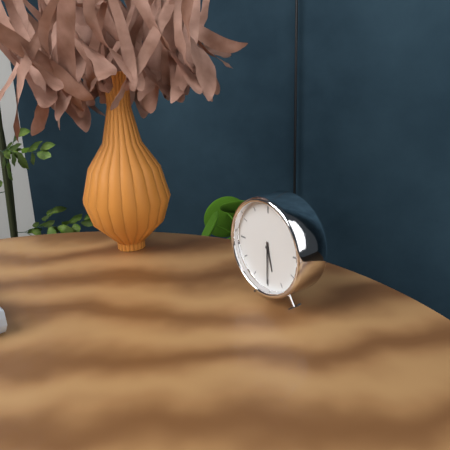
5:30
